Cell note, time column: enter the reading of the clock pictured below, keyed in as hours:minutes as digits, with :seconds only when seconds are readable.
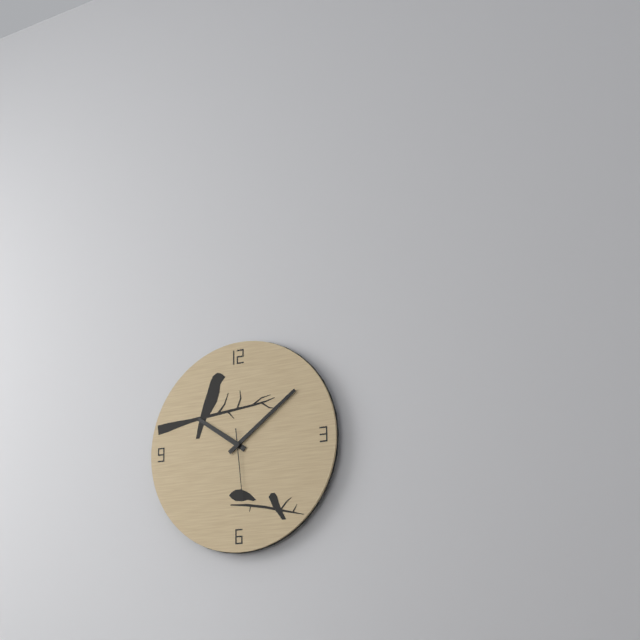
10:09:29
